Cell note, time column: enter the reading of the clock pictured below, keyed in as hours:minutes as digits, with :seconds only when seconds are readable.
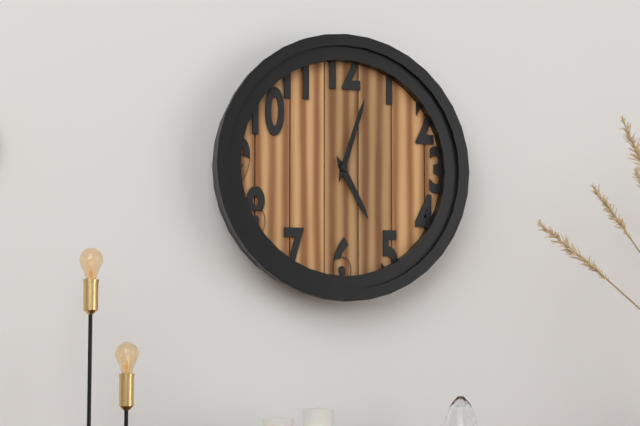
5:03
